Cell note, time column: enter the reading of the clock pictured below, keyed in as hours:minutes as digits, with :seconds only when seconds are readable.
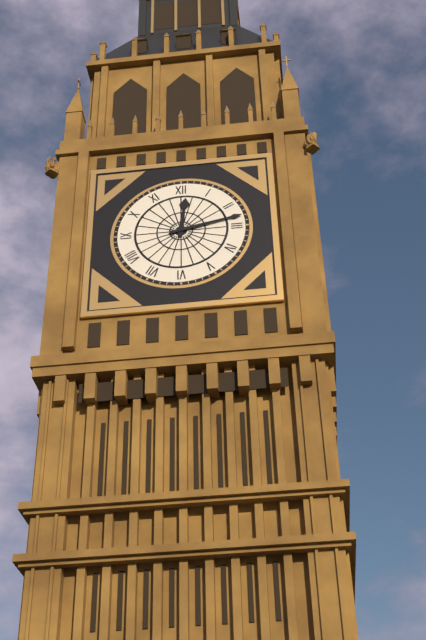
12:13
